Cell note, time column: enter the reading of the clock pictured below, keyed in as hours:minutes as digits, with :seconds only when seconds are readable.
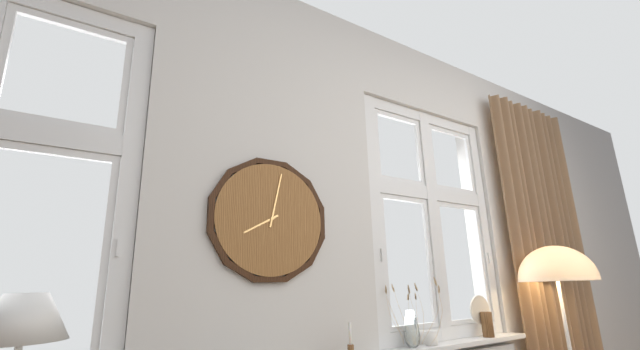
8:02
